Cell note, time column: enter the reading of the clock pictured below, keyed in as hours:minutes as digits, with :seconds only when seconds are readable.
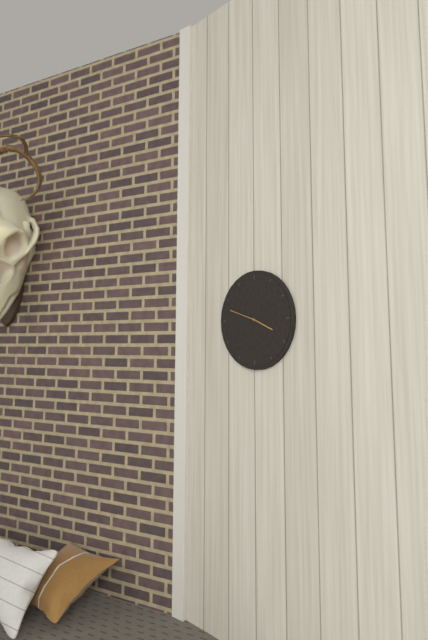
3:48
